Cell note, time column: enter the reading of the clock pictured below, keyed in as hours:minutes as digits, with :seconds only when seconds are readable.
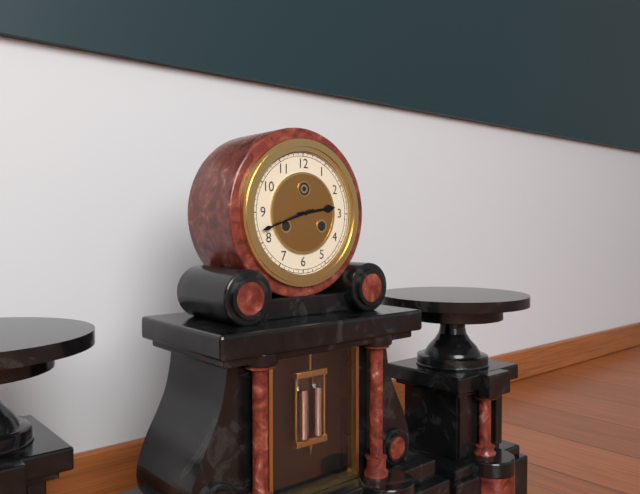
2:42
